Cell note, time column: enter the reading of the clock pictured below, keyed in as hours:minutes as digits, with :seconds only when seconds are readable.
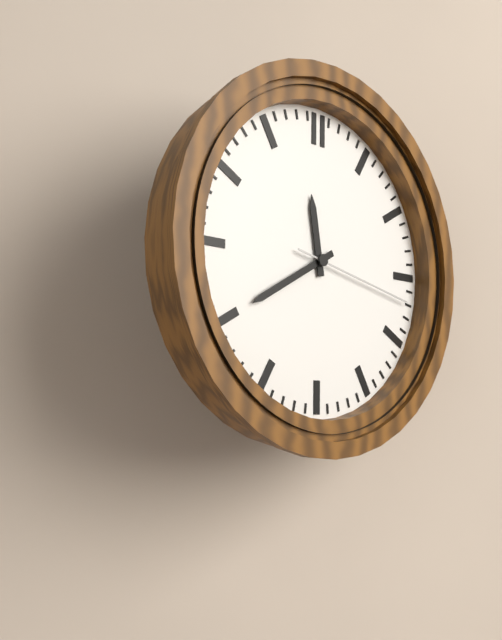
11:40:17
